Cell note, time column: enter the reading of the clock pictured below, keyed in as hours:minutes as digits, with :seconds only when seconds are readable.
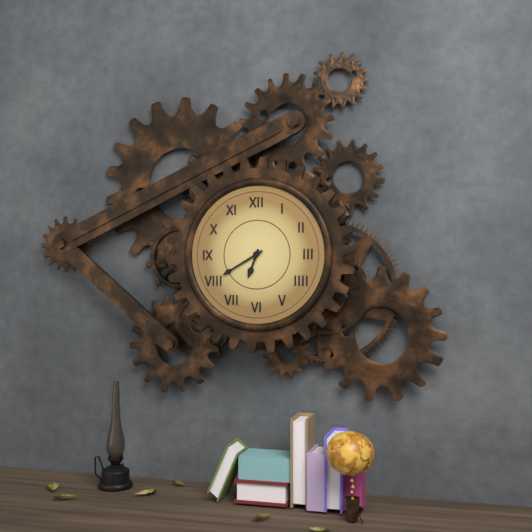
6:40
